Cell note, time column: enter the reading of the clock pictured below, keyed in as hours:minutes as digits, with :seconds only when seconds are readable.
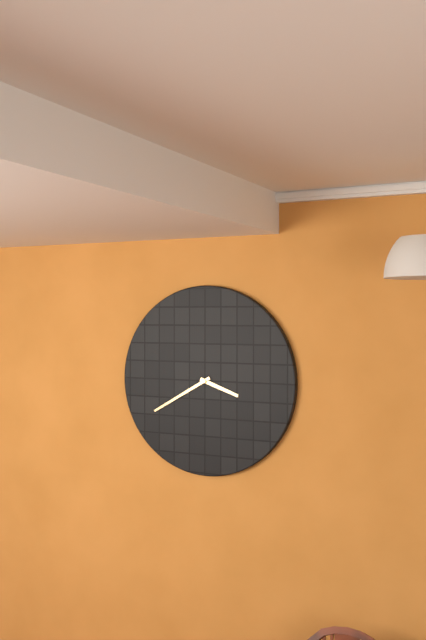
3:40
